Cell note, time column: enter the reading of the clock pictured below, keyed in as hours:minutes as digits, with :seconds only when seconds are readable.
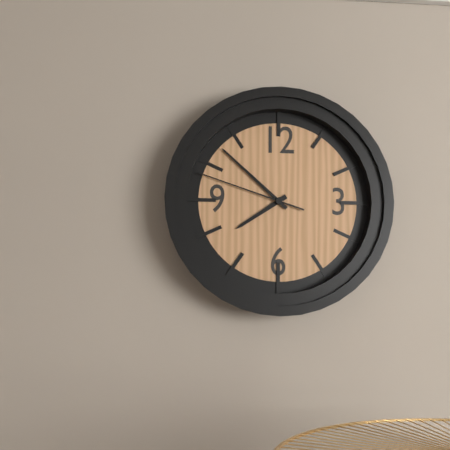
7:52:48
